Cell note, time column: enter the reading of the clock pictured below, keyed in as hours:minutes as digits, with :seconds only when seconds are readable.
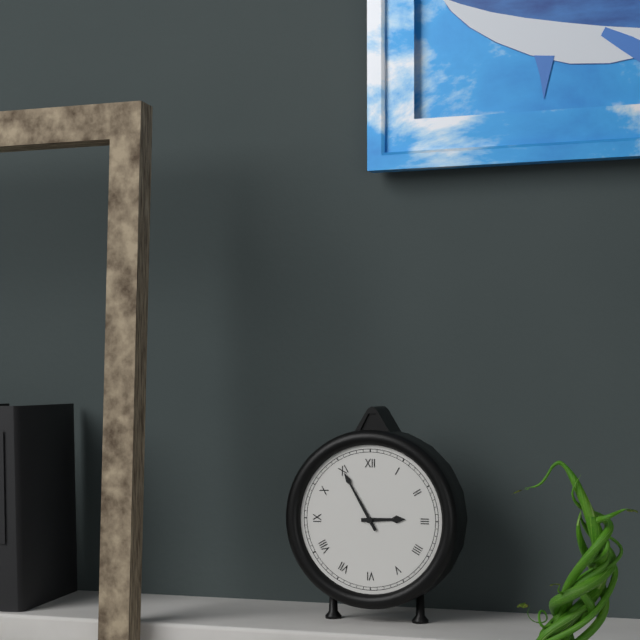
2:55
